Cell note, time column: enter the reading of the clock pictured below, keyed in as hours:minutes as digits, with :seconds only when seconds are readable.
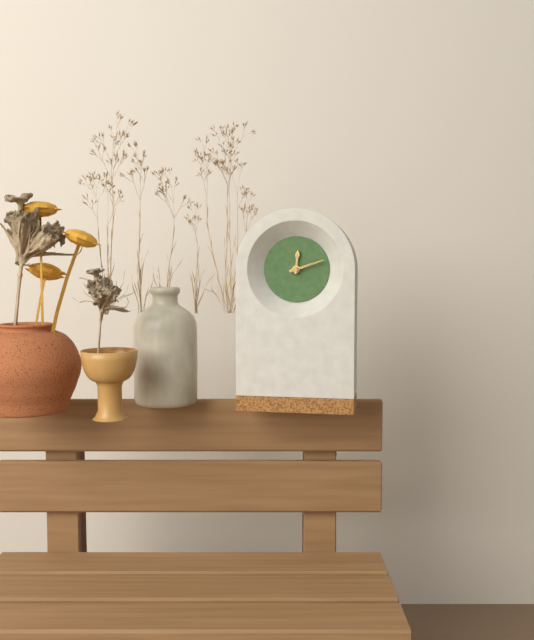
12:12
